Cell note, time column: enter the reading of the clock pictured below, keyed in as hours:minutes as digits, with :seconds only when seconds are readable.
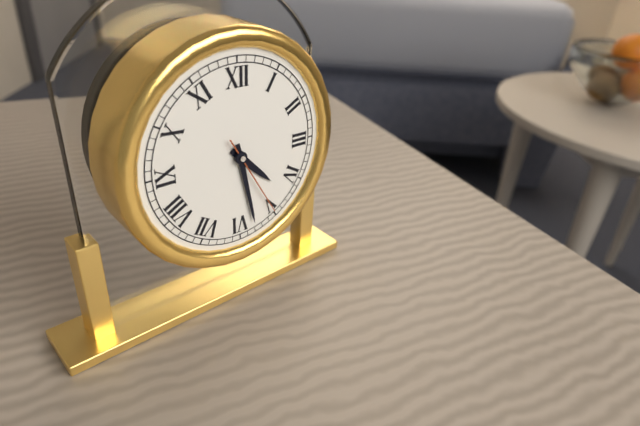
4:28:25
